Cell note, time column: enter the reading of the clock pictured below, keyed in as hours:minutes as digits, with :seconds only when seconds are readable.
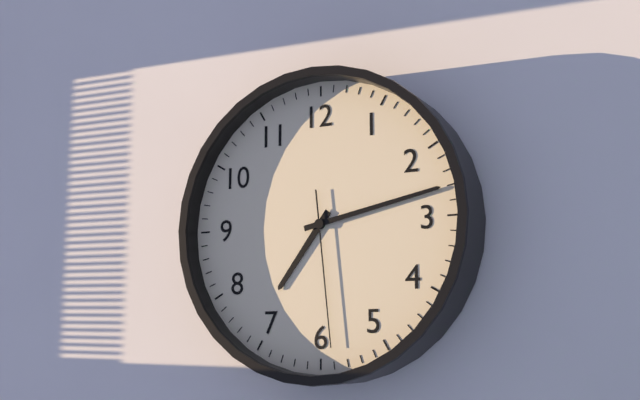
7:13:29
